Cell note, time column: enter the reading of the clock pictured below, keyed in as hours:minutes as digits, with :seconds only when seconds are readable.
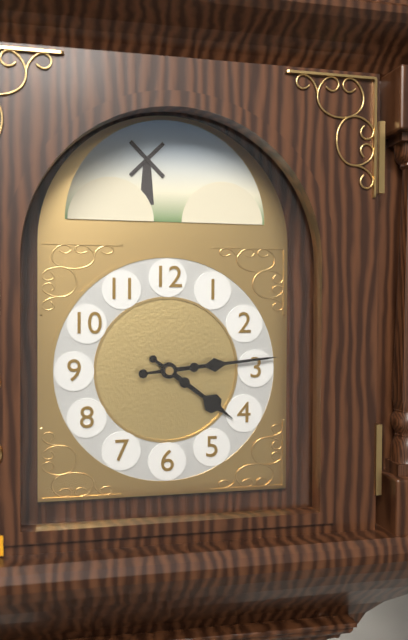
4:14
